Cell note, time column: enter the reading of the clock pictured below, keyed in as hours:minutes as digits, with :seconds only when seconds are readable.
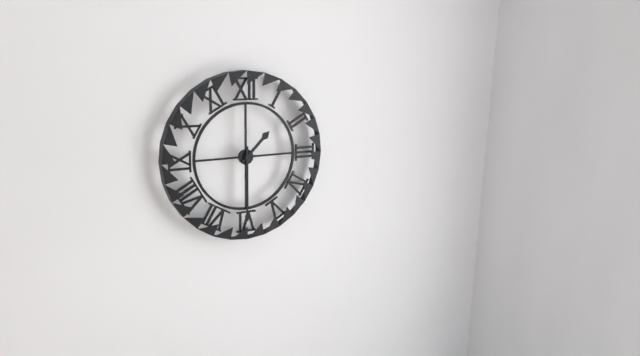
1:30
